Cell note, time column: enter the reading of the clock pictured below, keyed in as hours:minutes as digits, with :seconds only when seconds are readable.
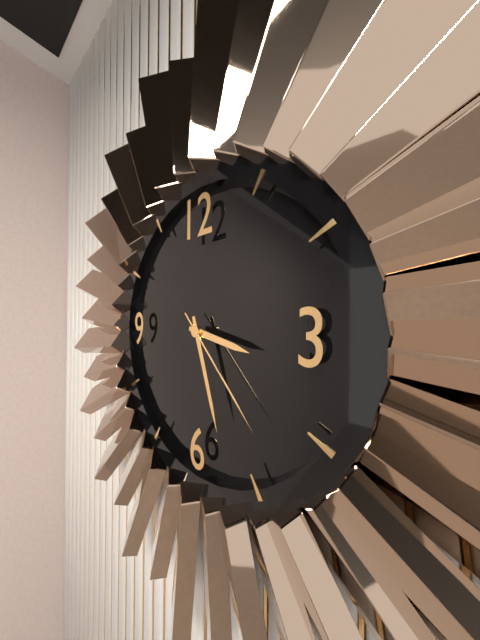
3:27:23
